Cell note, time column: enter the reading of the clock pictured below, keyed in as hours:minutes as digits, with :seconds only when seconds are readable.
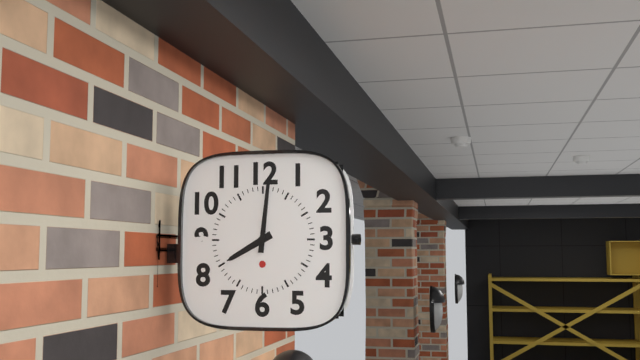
8:01
